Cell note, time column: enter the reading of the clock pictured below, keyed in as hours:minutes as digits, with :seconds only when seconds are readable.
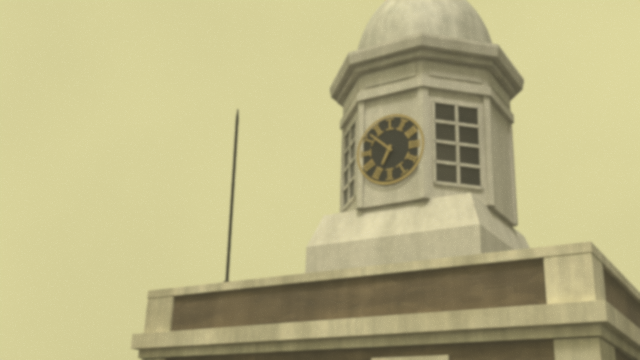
6:52
